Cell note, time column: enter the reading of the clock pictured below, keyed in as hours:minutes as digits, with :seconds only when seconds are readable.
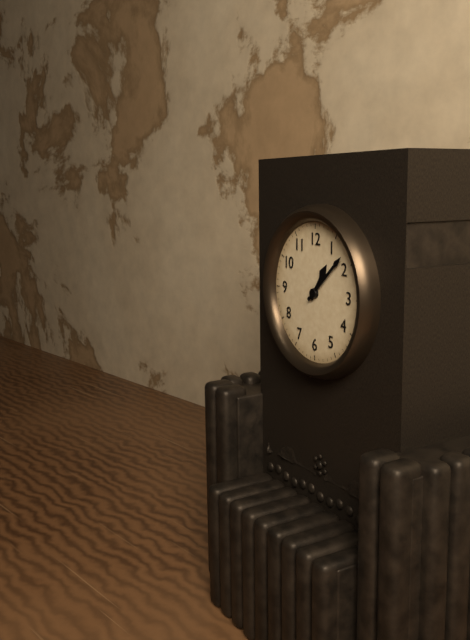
1:08
